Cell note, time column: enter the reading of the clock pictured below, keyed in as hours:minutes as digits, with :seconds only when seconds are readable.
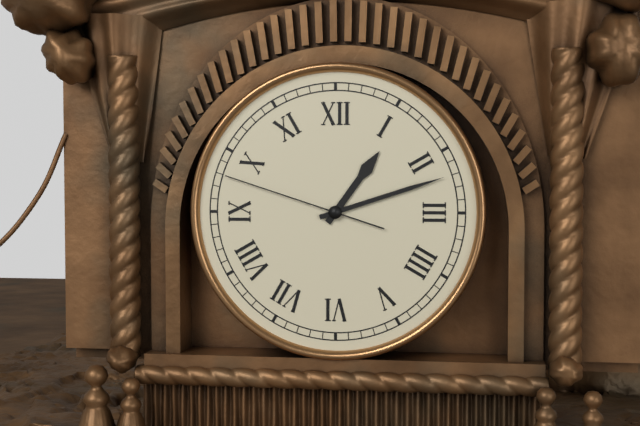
1:12:48
